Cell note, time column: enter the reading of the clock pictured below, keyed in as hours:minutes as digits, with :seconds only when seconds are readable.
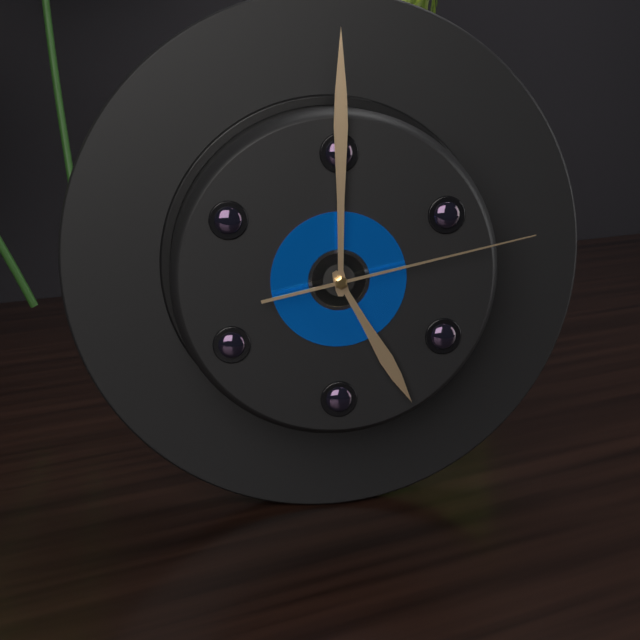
5:00:13
